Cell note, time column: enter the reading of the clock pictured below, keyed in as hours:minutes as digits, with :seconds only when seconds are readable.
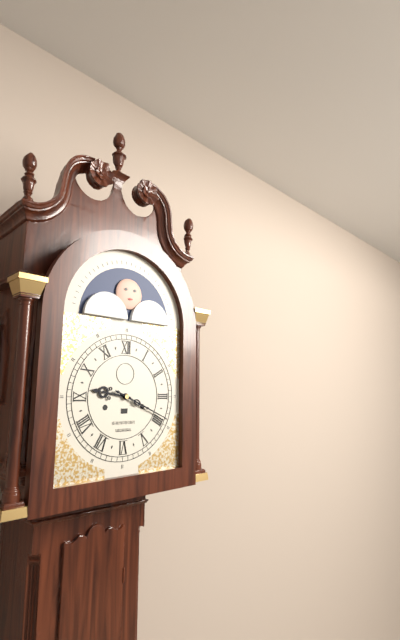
9:19
